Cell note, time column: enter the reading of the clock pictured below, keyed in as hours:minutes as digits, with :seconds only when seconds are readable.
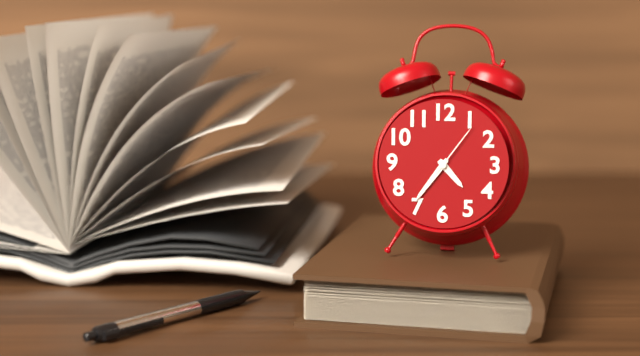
4:36:06
